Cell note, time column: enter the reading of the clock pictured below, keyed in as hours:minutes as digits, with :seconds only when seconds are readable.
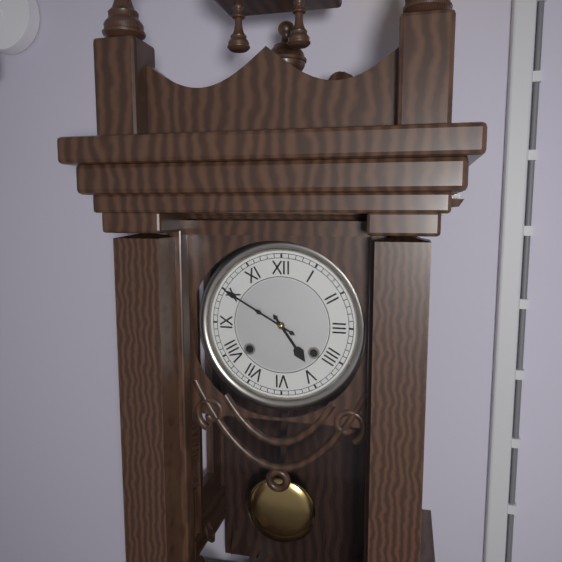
4:50
